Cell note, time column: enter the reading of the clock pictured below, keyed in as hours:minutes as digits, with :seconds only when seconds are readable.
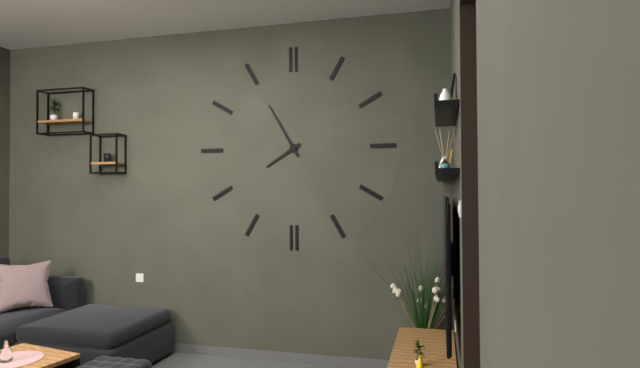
7:55
